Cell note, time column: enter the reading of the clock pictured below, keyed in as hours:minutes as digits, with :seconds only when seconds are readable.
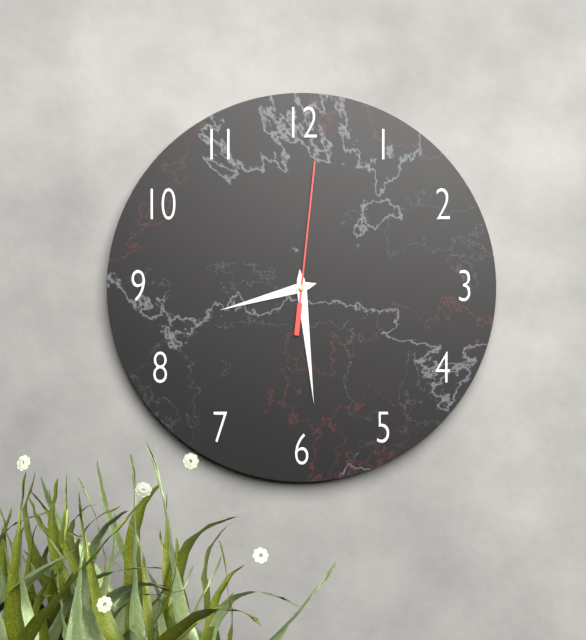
8:29:01
